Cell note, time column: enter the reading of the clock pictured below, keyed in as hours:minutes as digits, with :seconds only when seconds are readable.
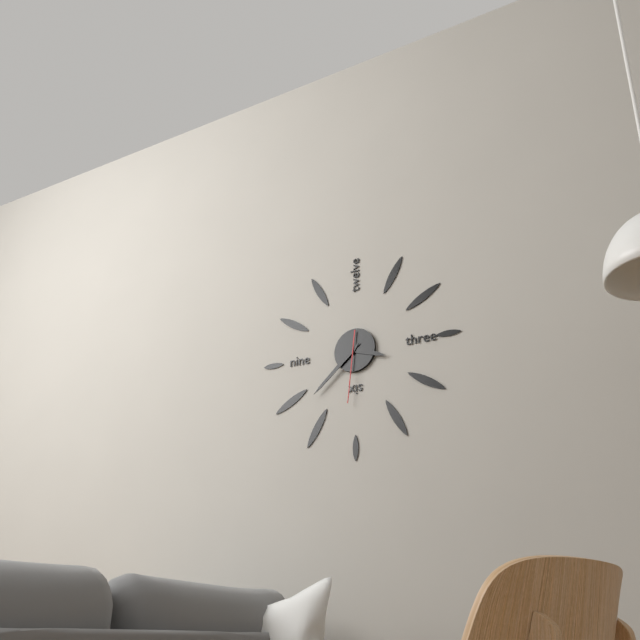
3:38:31
